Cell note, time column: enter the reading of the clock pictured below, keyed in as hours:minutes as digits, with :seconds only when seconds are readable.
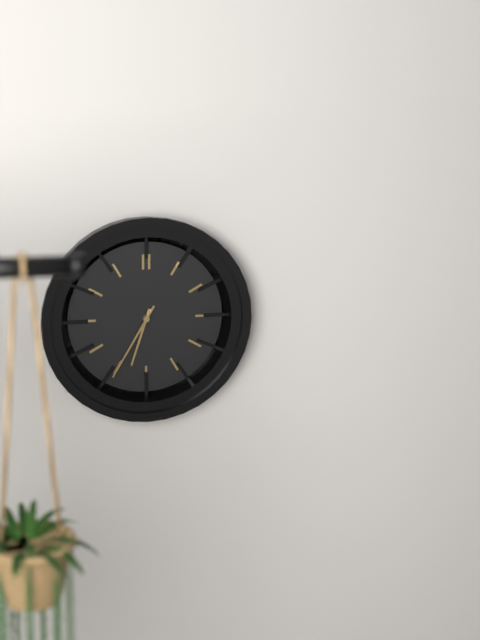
6:35
